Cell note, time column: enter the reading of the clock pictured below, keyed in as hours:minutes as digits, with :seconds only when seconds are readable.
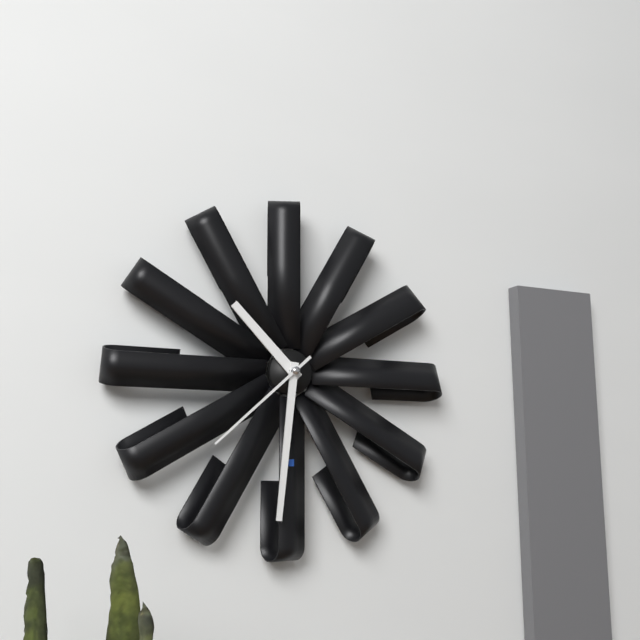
10:31:38
